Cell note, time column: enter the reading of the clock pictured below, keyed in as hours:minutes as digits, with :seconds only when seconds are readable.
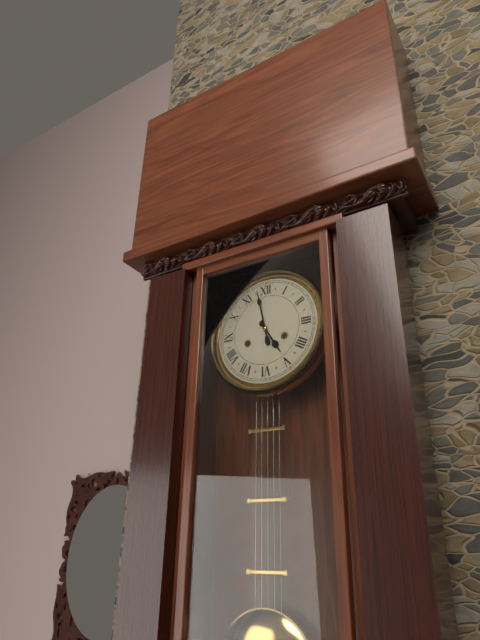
4:58
